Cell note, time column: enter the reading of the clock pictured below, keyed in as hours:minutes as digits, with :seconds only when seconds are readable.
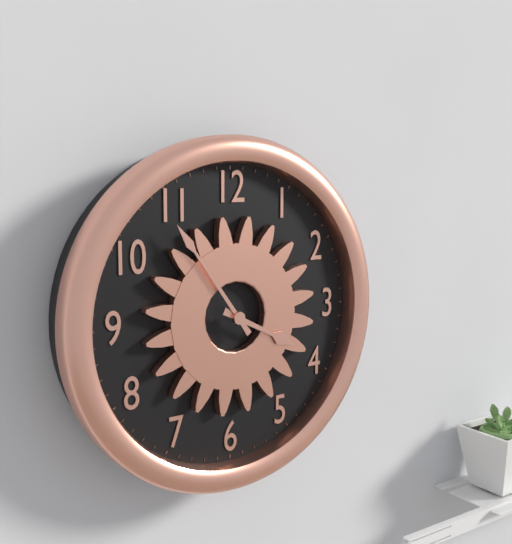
3:54
